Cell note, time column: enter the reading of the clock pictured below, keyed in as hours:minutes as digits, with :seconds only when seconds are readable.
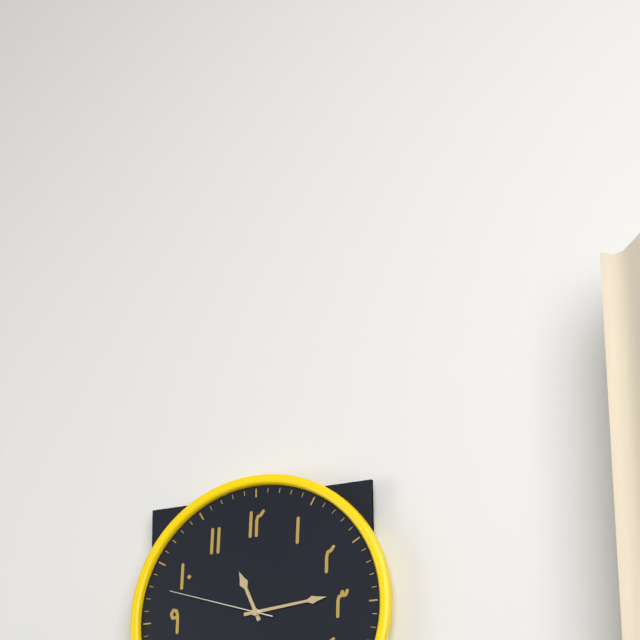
11:14:48
